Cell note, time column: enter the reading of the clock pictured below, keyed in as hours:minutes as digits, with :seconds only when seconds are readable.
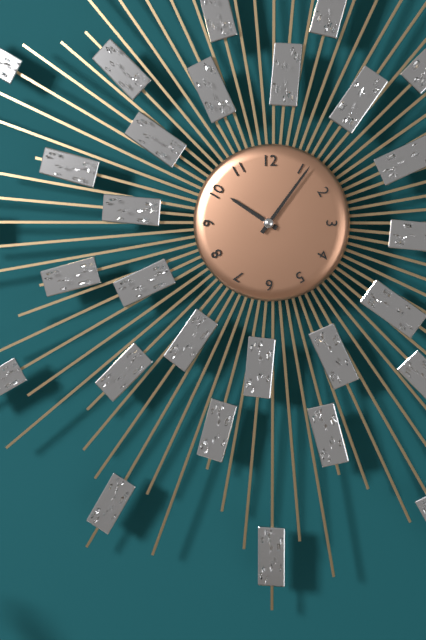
10:06
